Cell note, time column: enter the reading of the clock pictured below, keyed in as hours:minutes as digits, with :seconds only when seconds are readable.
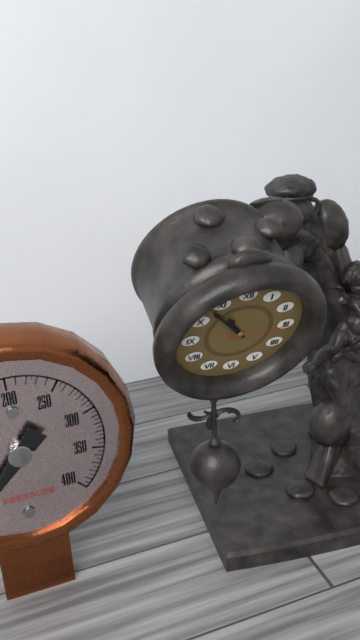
10:53:15
